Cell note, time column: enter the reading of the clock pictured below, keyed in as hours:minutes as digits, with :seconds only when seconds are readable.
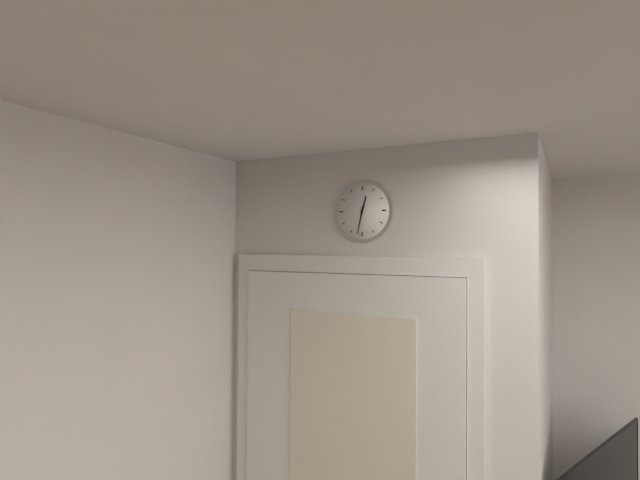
12:32
